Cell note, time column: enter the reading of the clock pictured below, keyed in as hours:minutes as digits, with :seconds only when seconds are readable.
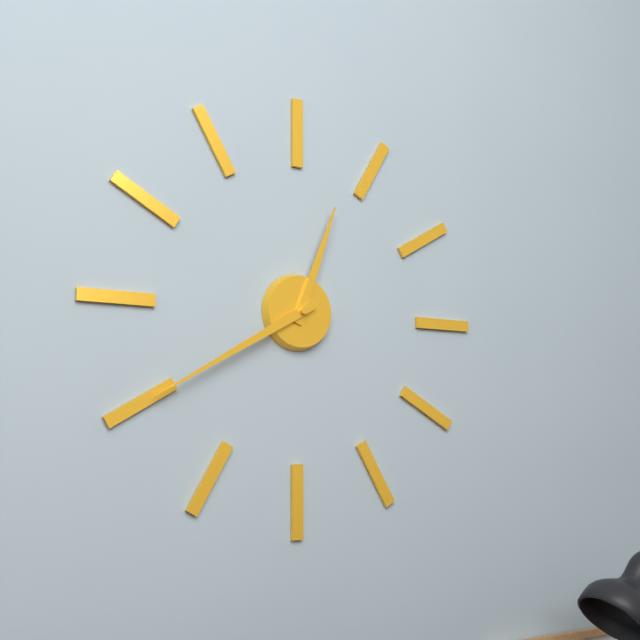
12:40
